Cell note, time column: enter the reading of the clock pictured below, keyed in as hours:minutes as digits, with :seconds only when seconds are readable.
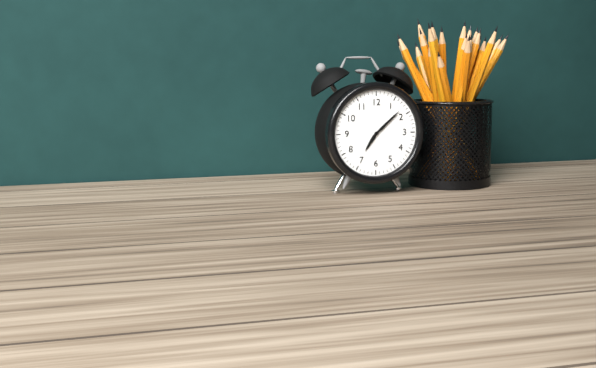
7:08
